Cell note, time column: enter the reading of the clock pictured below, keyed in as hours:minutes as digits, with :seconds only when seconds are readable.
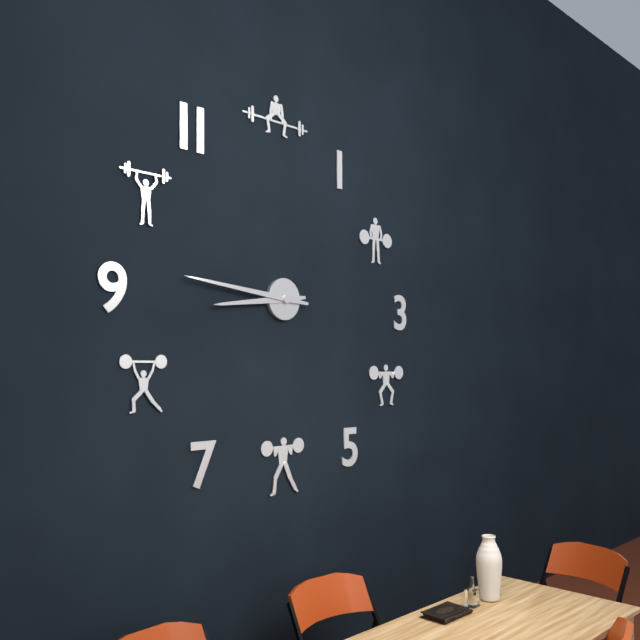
8:46
